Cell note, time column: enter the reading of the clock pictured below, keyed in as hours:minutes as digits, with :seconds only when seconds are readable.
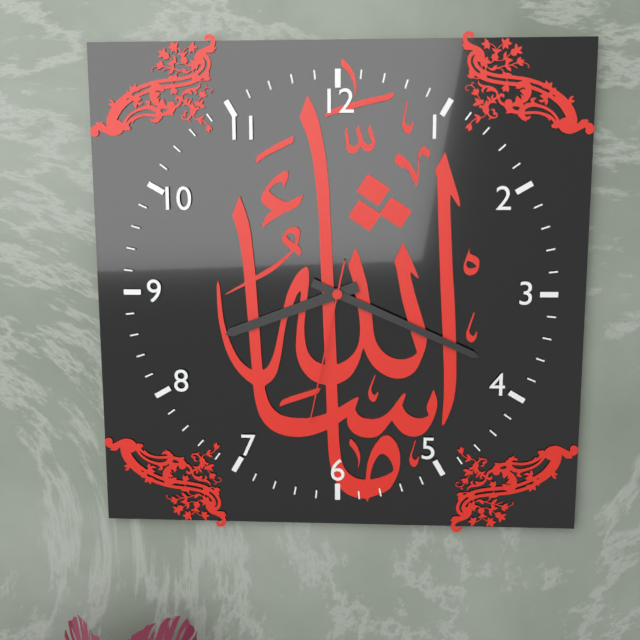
8:19:32
